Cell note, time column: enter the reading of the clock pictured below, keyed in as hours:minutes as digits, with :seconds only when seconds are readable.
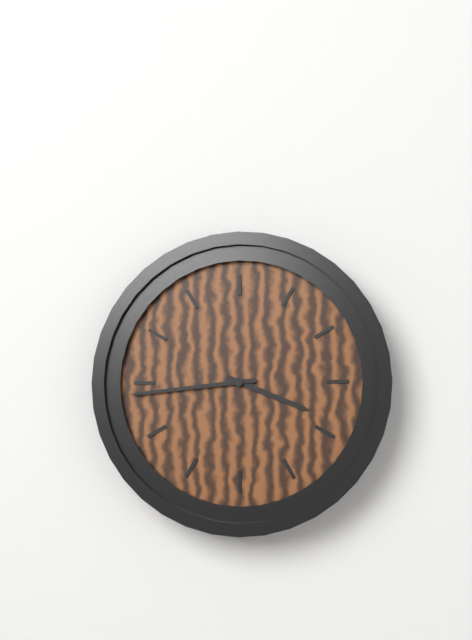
3:44
